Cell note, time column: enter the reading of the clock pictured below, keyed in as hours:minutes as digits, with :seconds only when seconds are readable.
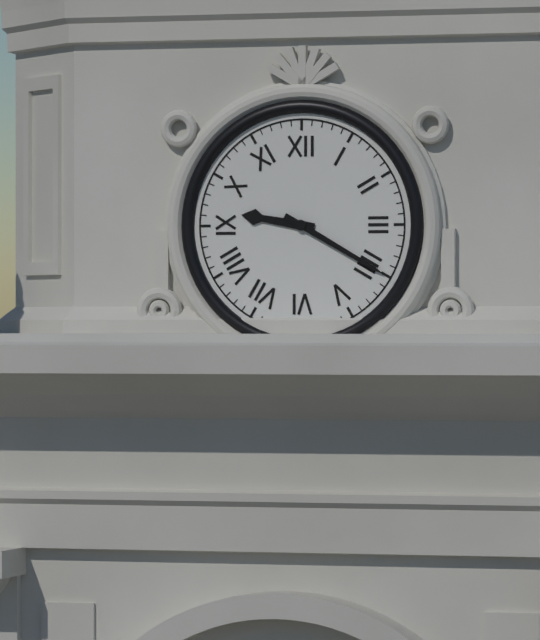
9:20
